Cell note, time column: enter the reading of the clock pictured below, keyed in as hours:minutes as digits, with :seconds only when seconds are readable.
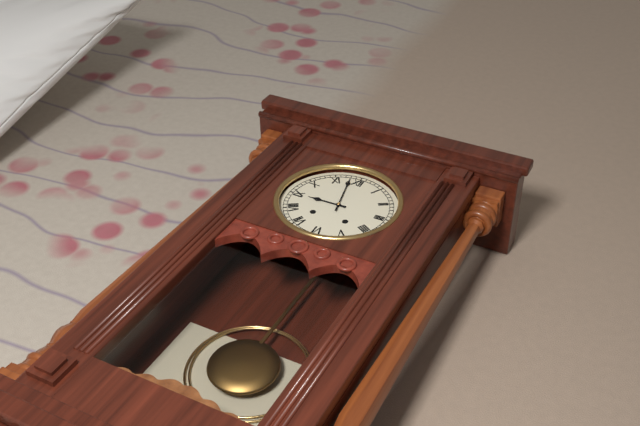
8:58
